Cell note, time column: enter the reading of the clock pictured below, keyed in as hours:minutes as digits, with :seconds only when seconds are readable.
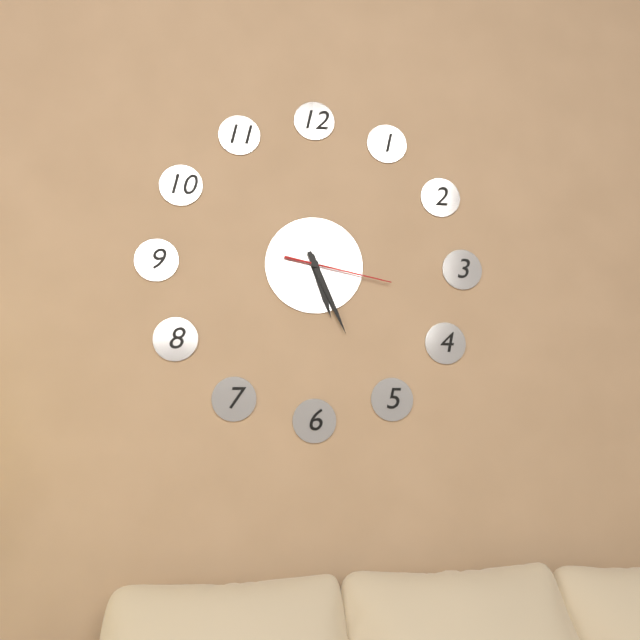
5:26:17
